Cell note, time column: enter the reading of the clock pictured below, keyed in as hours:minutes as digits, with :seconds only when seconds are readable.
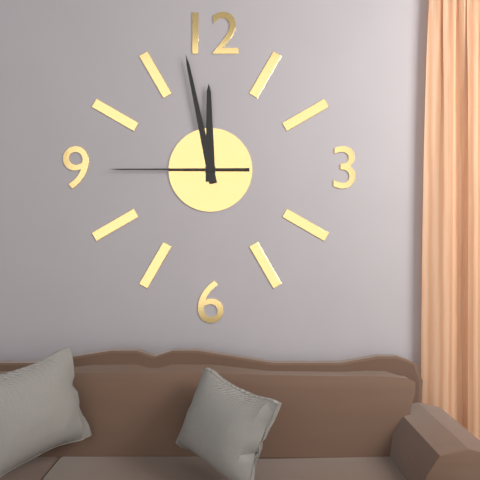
11:58:45
